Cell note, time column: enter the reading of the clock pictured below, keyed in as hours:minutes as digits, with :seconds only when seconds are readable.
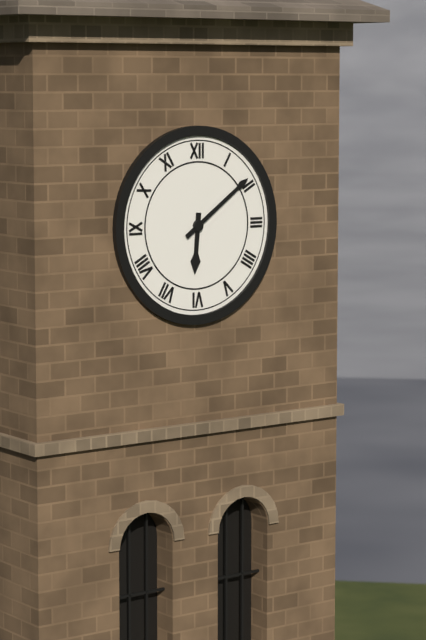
6:09
